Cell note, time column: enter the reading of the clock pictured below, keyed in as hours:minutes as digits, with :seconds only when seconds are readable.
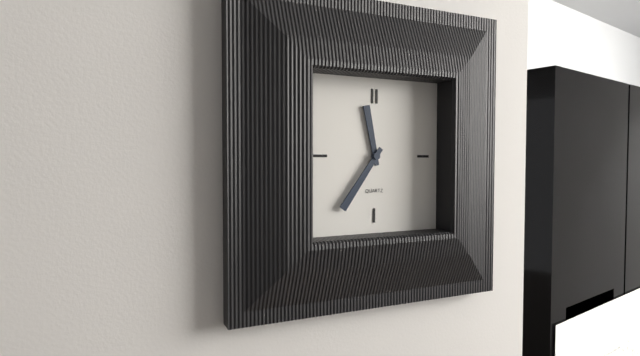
11:36
